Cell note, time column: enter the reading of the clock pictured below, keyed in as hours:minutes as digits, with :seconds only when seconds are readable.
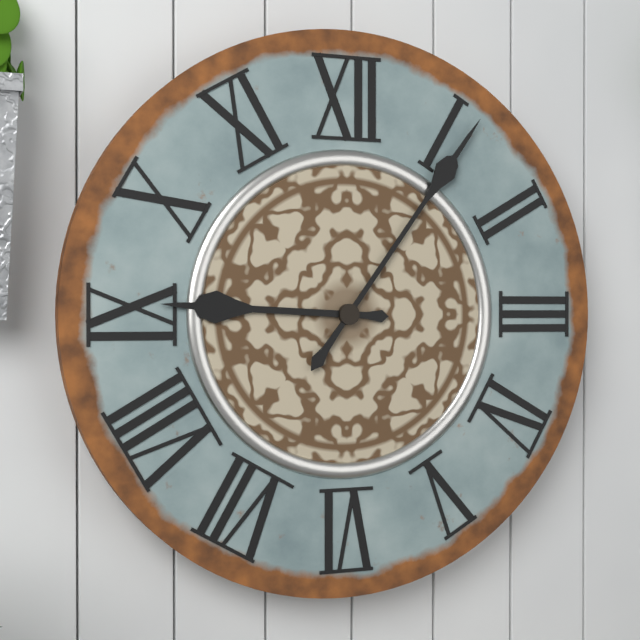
9:06
